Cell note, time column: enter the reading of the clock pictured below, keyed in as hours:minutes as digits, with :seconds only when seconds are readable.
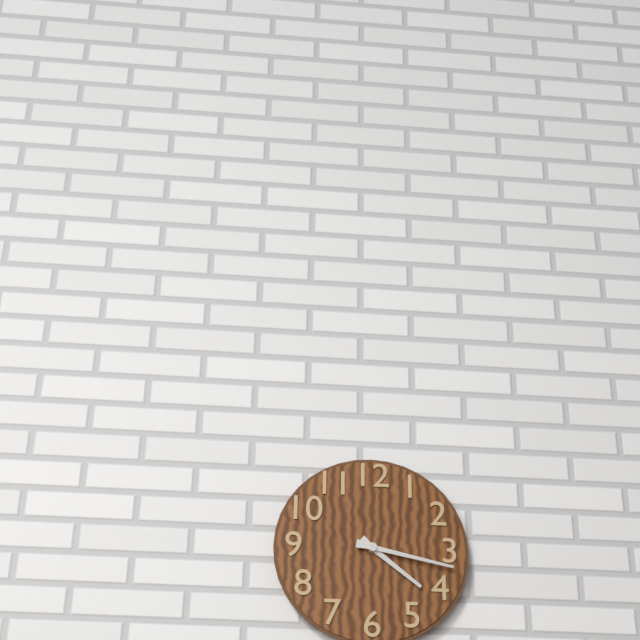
4:17
